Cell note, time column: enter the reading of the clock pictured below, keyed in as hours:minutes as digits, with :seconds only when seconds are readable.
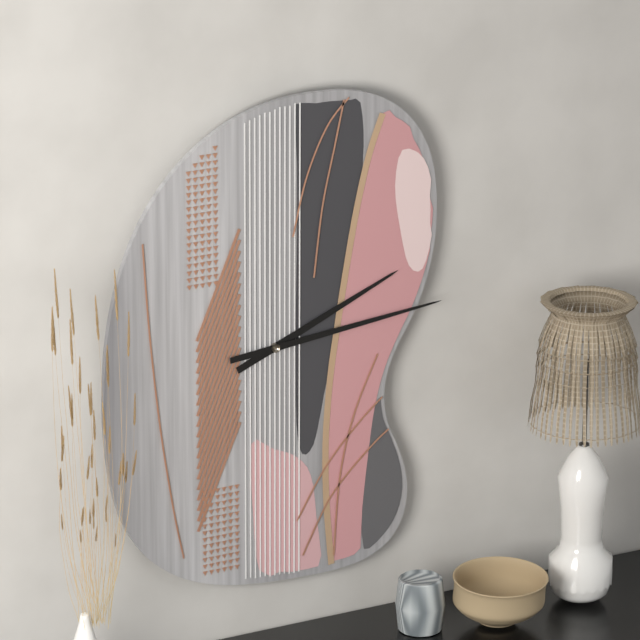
2:14
